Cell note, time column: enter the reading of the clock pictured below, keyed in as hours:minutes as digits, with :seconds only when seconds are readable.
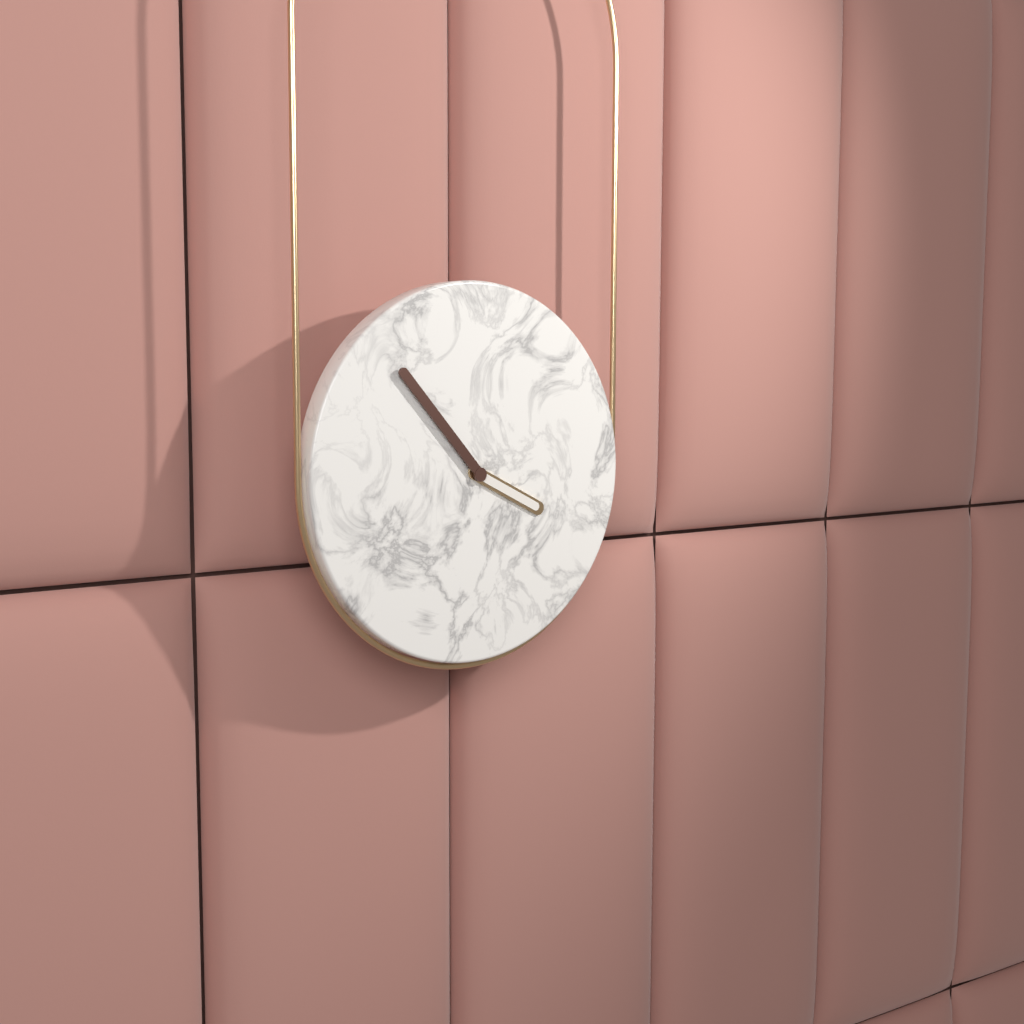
3:53
